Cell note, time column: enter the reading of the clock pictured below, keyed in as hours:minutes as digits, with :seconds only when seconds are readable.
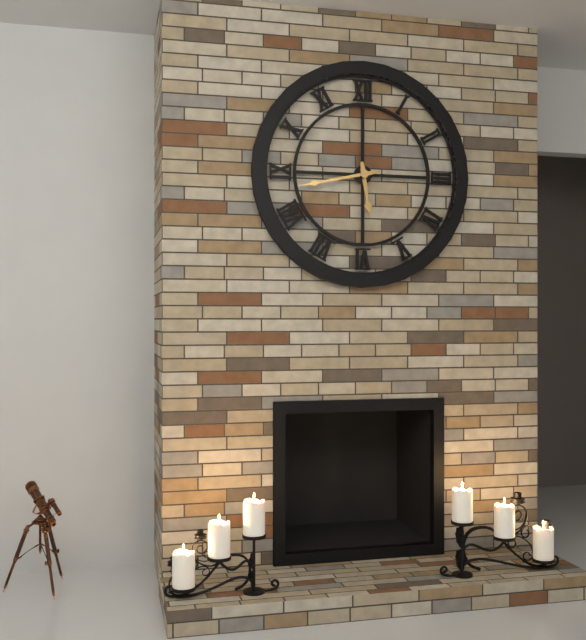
5:43
